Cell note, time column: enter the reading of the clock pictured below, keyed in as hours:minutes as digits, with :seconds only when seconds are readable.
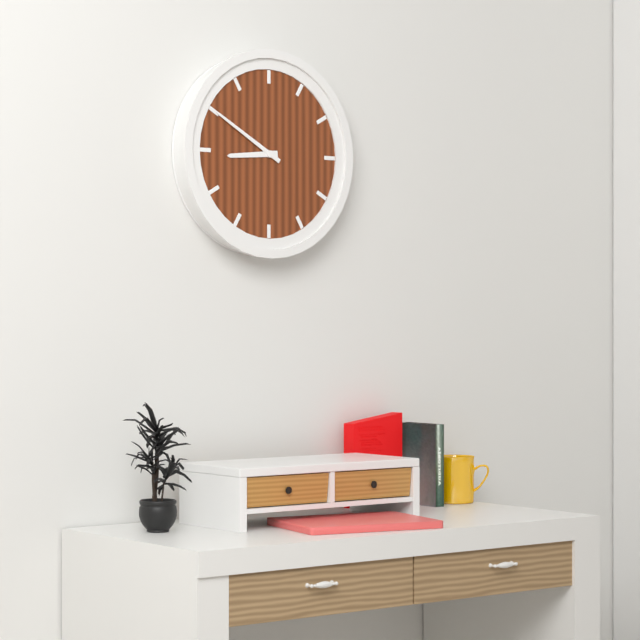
8:50
